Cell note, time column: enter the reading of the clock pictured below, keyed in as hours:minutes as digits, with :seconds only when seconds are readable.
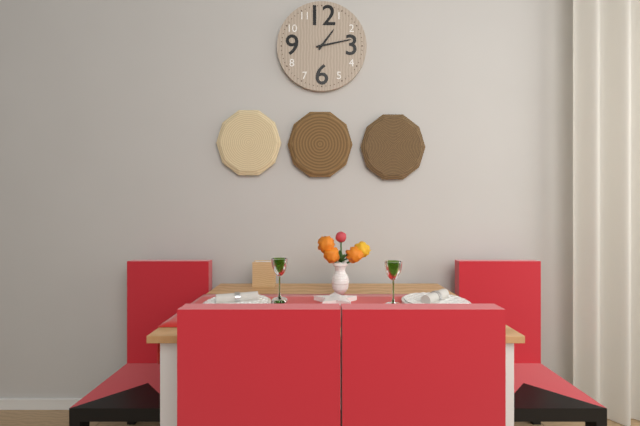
1:13
